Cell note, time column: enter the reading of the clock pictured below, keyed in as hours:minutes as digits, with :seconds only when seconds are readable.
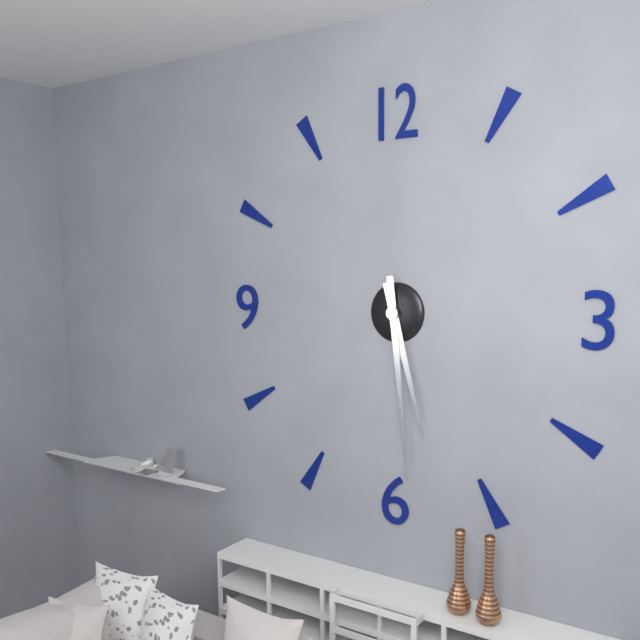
5:29
